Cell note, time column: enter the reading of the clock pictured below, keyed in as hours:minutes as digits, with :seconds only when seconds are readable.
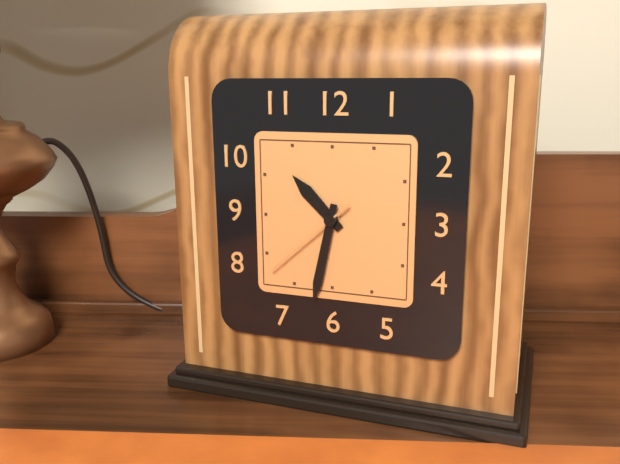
10:32:38
